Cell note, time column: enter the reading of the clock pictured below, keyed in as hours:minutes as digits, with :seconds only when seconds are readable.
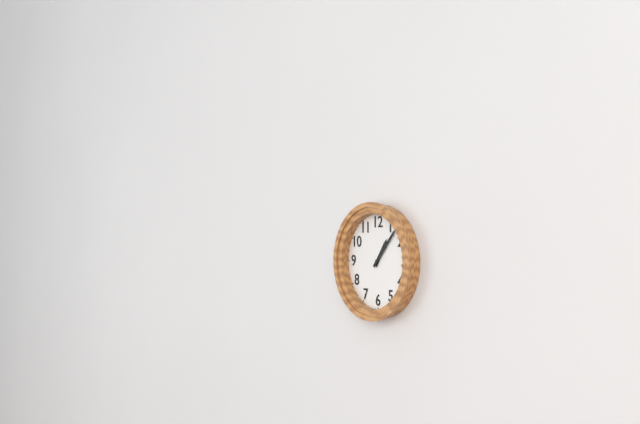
1:07
